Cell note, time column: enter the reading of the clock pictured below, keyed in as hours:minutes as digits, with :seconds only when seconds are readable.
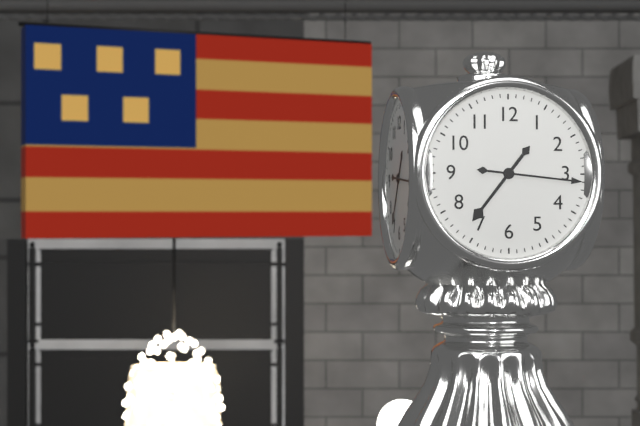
7:16
